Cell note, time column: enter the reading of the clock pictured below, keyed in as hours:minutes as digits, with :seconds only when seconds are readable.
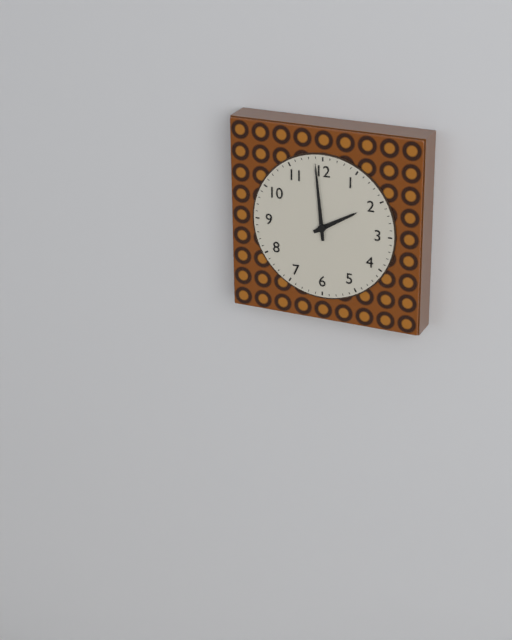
1:59
